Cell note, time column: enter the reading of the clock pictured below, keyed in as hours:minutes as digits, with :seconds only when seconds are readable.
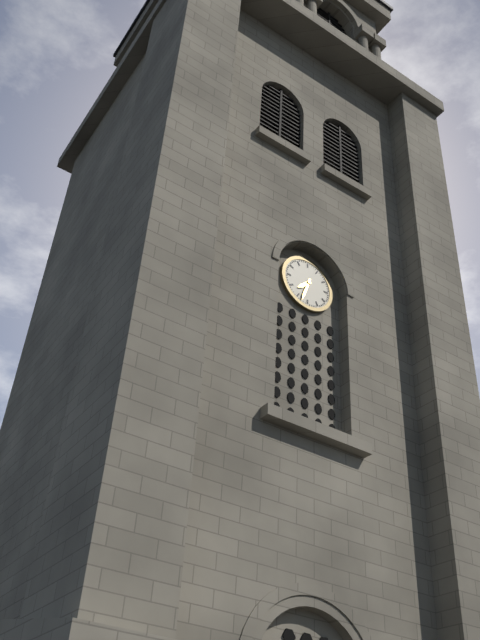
7:33
